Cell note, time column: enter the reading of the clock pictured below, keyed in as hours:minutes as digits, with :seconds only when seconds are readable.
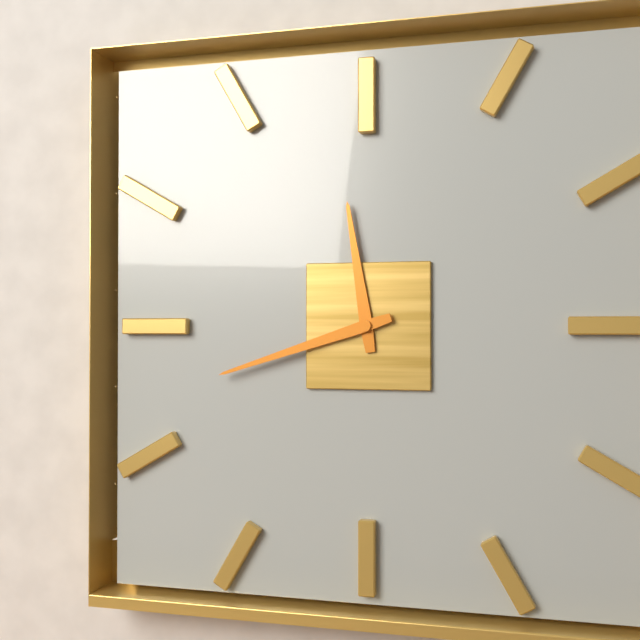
11:42
